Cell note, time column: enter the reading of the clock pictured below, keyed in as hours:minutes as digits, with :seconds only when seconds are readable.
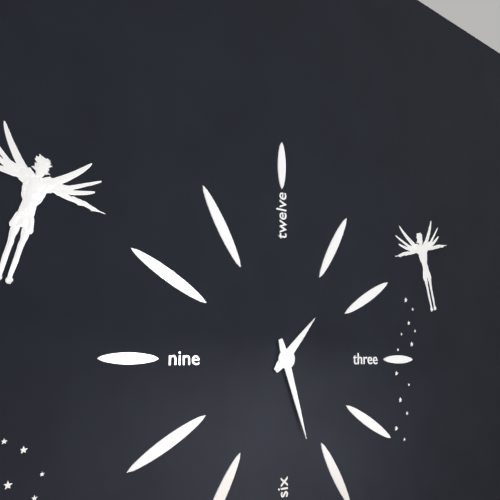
1:27
